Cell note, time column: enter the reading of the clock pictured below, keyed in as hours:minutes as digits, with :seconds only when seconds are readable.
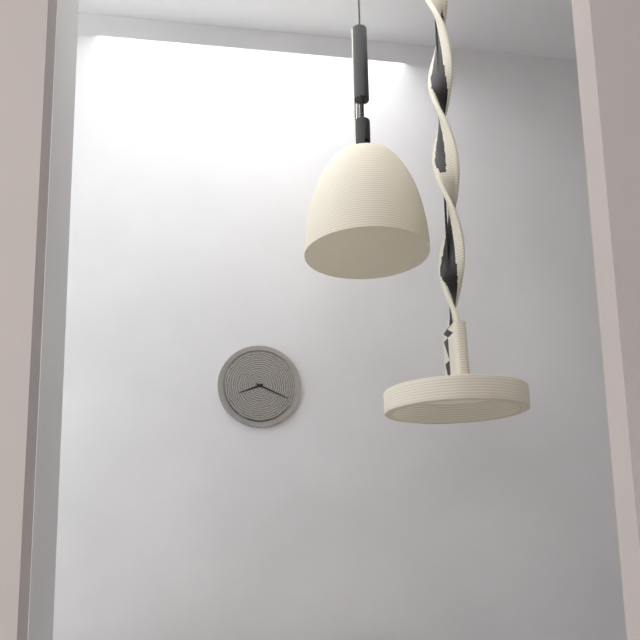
8:19
